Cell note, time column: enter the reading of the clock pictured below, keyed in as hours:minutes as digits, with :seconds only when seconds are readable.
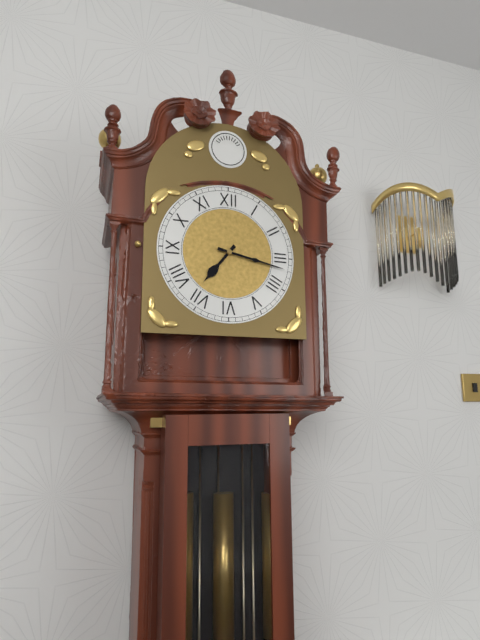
7:17
